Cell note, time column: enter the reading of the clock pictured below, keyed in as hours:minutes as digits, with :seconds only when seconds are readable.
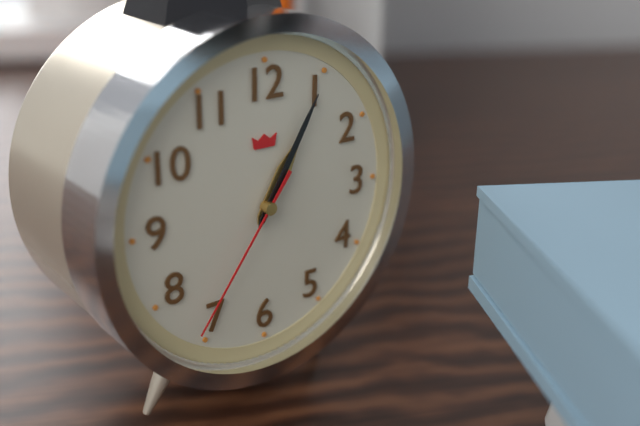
1:05:36
